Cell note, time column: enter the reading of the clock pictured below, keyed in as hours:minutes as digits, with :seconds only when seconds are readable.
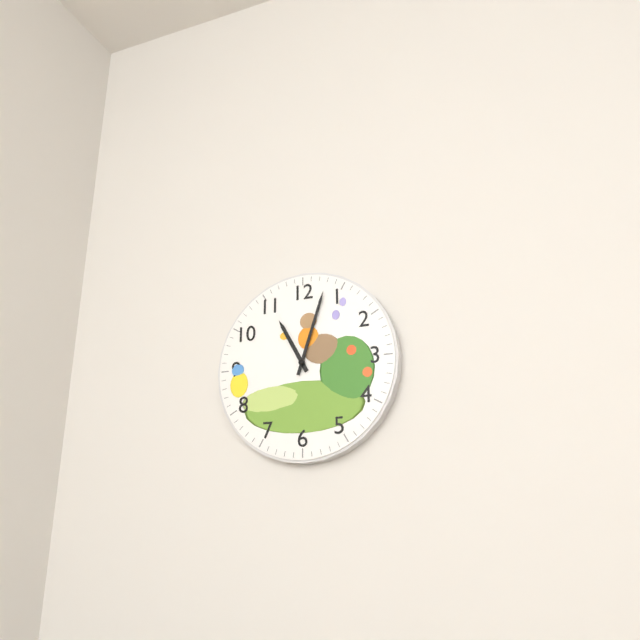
11:03
